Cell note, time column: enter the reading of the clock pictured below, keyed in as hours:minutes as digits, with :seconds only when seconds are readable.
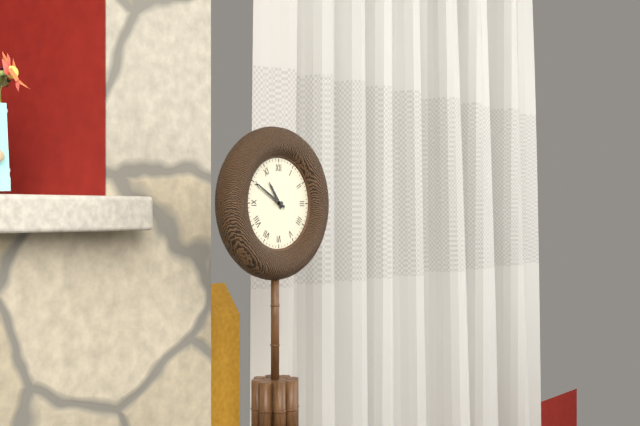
10:50
